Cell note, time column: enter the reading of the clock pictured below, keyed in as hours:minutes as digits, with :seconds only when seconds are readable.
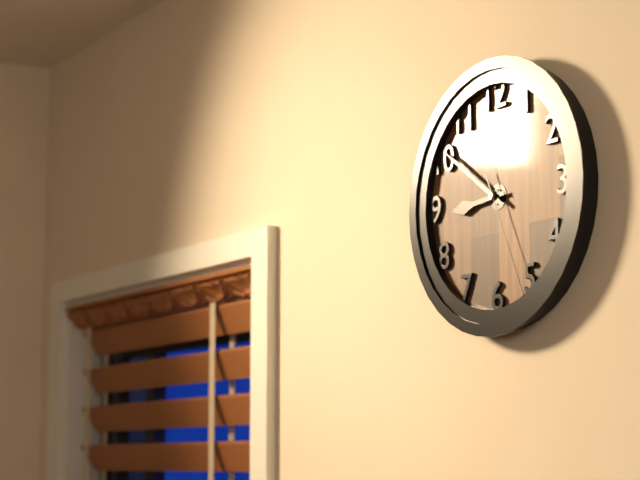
8:51:26
